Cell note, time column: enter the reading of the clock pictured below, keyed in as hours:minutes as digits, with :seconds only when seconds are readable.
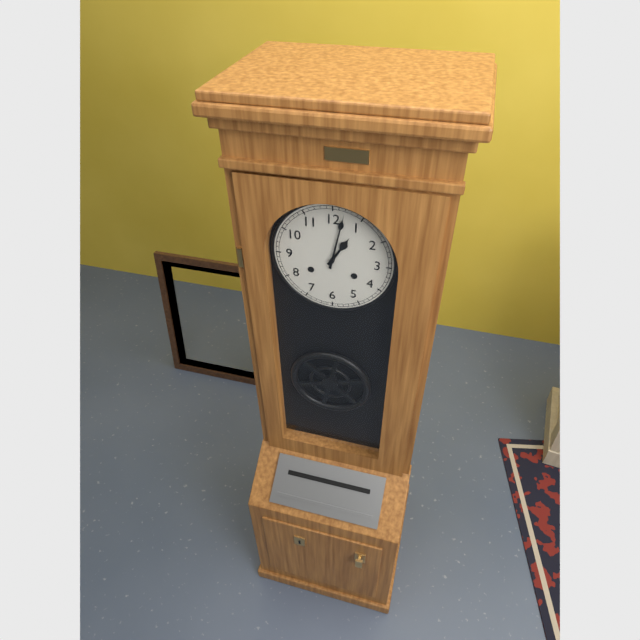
1:02
